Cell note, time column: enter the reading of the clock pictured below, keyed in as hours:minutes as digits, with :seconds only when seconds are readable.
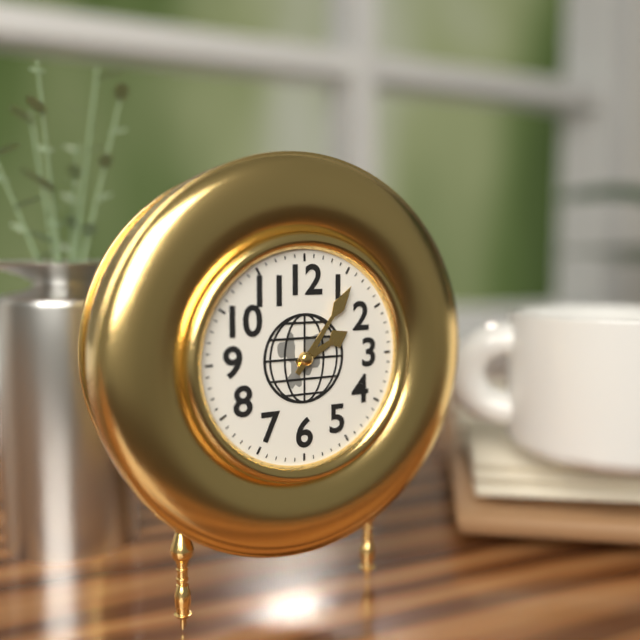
2:06
